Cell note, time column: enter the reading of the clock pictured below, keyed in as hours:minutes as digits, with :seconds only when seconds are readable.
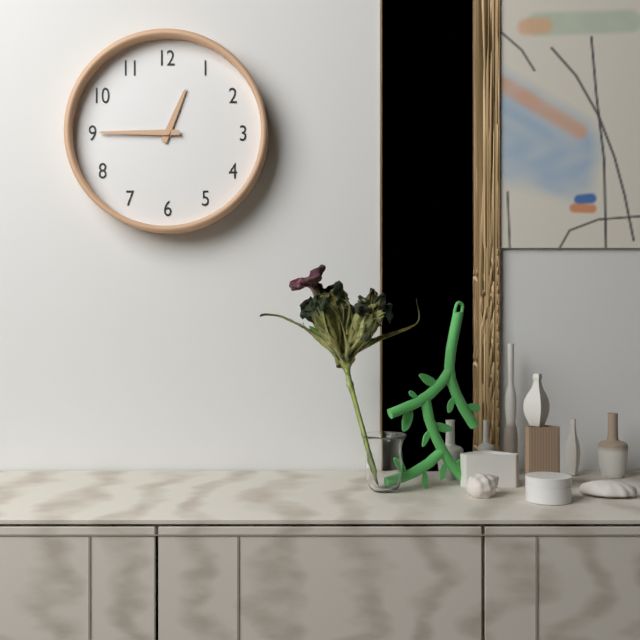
12:45
